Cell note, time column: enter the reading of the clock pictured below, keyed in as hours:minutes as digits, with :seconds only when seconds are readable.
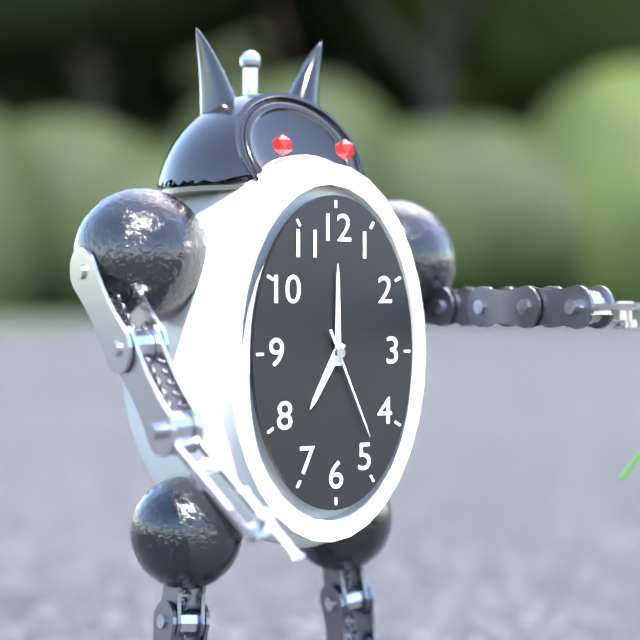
7:00:26
